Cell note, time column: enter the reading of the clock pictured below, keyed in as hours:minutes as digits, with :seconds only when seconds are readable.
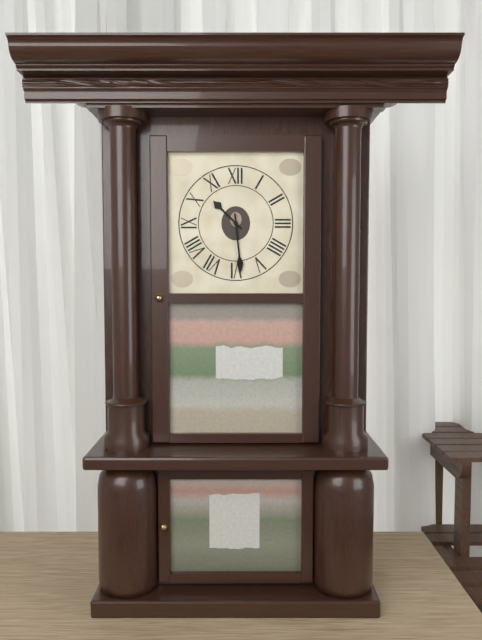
10:29
